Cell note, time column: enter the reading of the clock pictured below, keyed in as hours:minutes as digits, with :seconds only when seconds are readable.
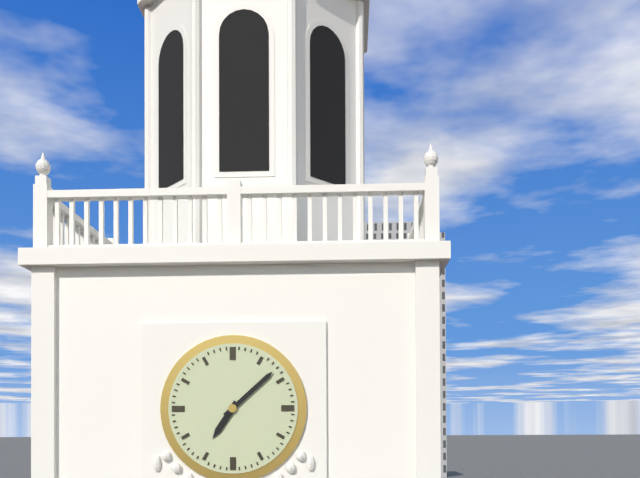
7:08
